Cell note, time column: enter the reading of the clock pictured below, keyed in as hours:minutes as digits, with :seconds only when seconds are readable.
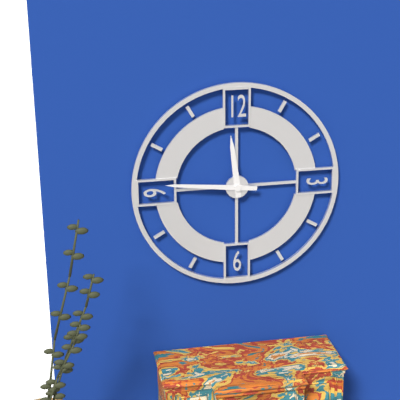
11:46
